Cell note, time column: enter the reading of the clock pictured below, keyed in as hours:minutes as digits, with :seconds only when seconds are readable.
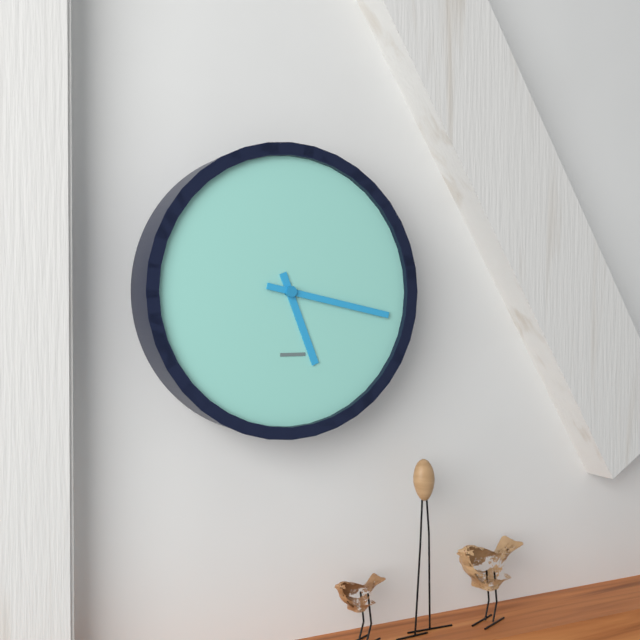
5:17
